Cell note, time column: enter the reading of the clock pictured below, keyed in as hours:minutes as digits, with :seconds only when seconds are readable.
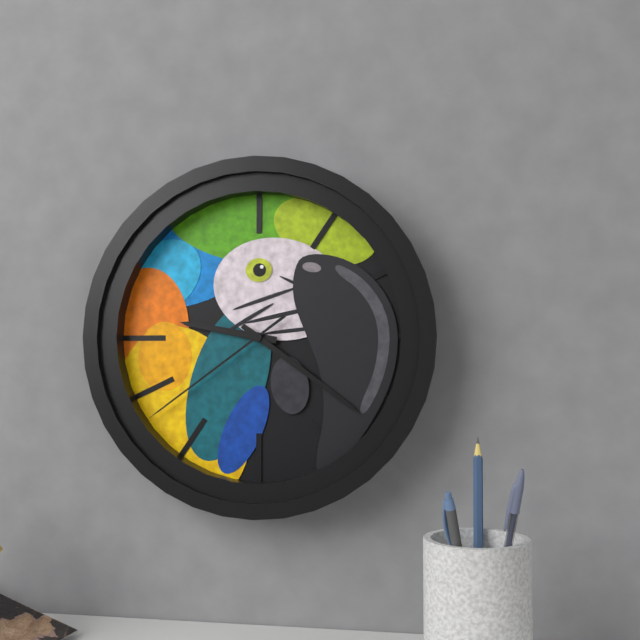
9:21:39
